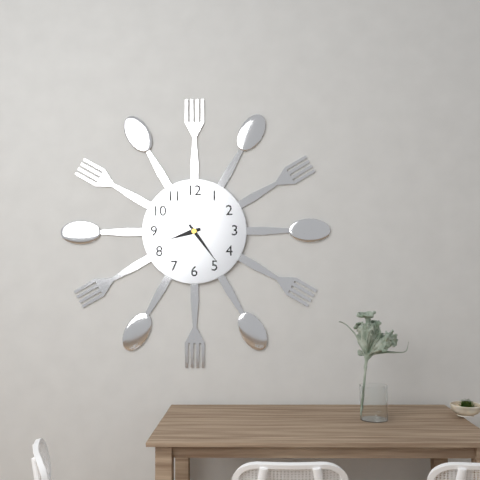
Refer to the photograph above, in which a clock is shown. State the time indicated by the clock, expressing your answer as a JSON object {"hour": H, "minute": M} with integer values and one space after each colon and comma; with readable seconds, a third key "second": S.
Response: {"hour": 8, "minute": 24}
